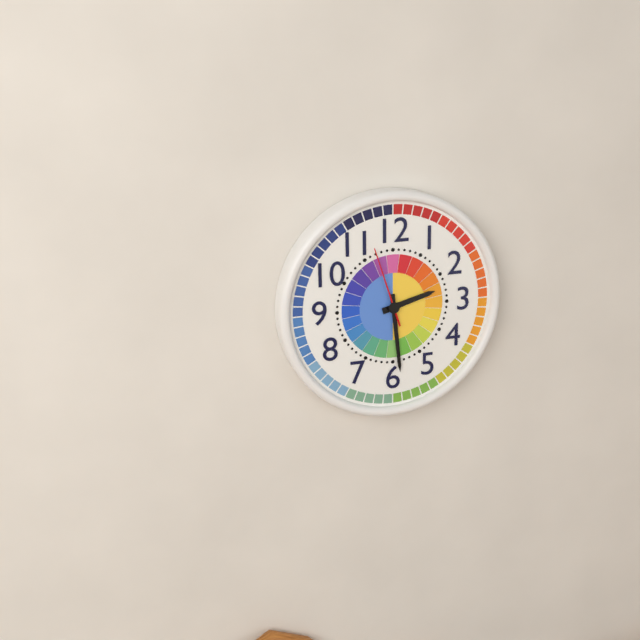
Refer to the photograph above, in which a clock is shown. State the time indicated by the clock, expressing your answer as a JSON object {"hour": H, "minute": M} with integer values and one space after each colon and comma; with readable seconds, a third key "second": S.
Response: {"hour": 2, "minute": 29, "second": 57}
